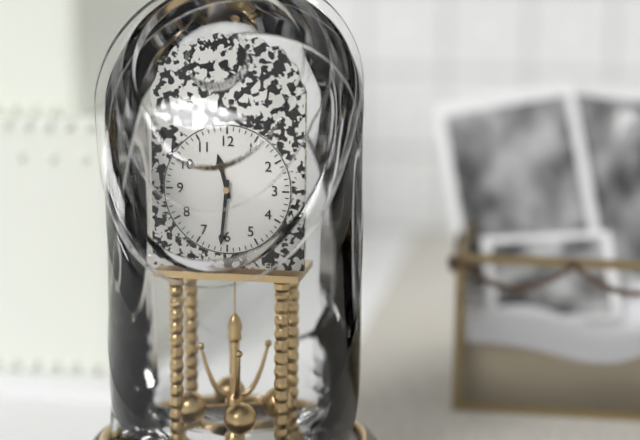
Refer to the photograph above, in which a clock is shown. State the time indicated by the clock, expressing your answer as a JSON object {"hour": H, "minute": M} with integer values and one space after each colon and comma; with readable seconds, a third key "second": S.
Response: {"hour": 11, "minute": 31}
